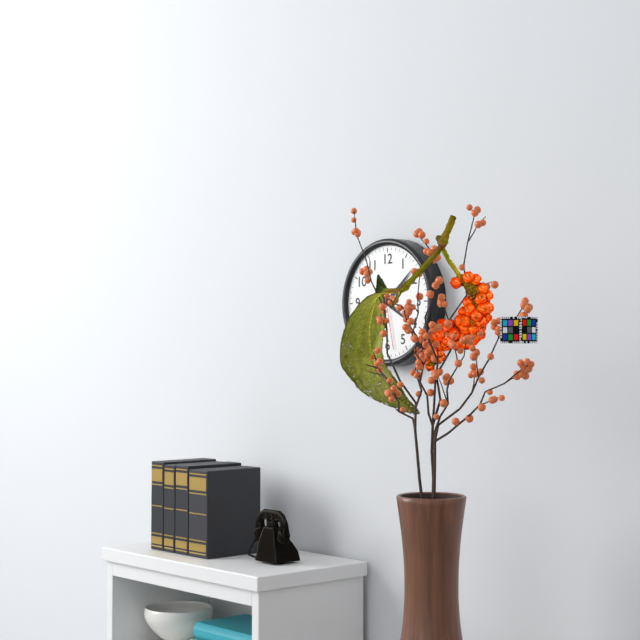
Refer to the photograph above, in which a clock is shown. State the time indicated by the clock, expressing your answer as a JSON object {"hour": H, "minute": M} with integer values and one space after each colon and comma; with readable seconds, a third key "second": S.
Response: {"hour": 4, "minute": 8, "second": 28}
